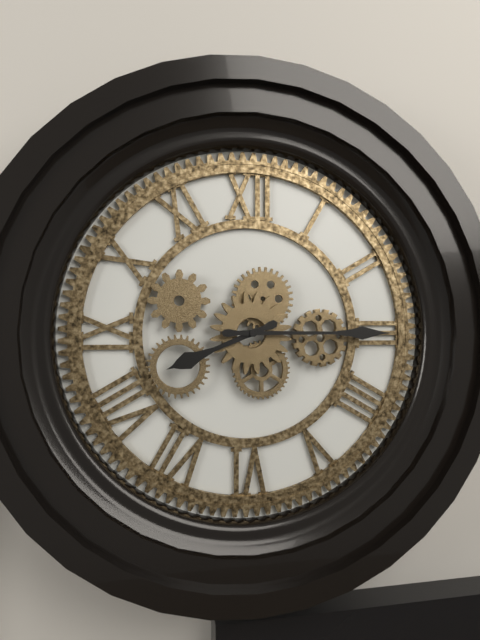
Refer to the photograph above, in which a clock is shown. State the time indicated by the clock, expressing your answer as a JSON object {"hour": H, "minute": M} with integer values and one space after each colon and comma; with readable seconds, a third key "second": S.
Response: {"hour": 8, "minute": 15}
